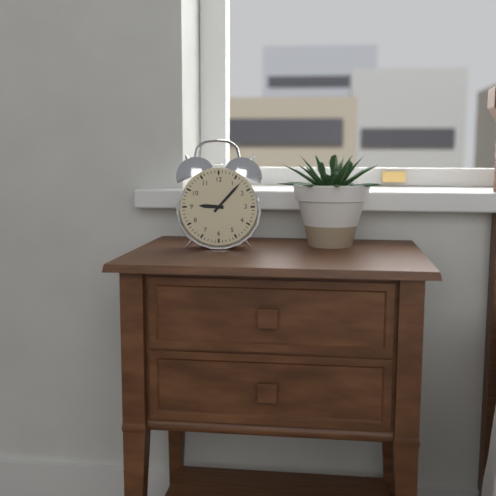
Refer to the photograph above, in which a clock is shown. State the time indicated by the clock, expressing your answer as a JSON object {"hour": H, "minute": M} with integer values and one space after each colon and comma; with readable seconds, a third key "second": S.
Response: {"hour": 9, "minute": 7}
